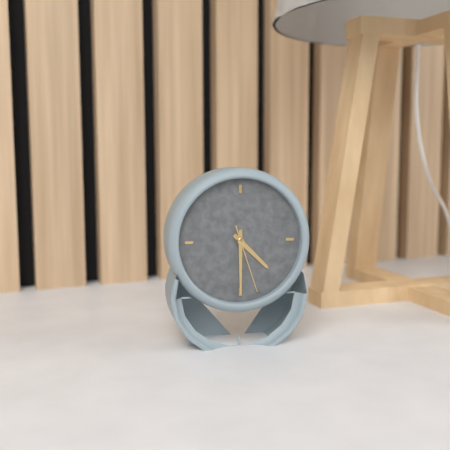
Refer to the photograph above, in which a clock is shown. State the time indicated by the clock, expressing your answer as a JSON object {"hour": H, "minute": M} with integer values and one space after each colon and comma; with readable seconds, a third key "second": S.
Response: {"hour": 4, "minute": 30, "second": 27}
